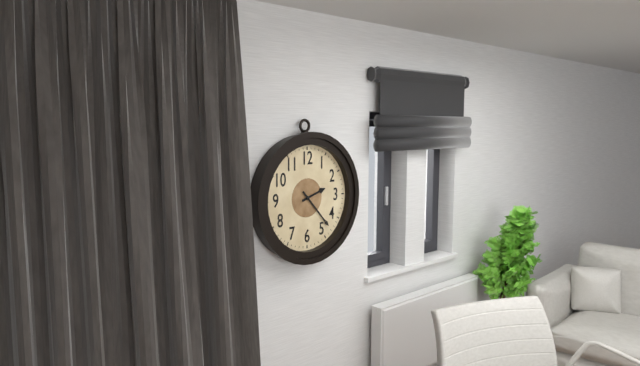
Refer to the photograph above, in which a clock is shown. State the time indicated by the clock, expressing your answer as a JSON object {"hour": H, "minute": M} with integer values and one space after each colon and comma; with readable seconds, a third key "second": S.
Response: {"hour": 2, "minute": 23}
